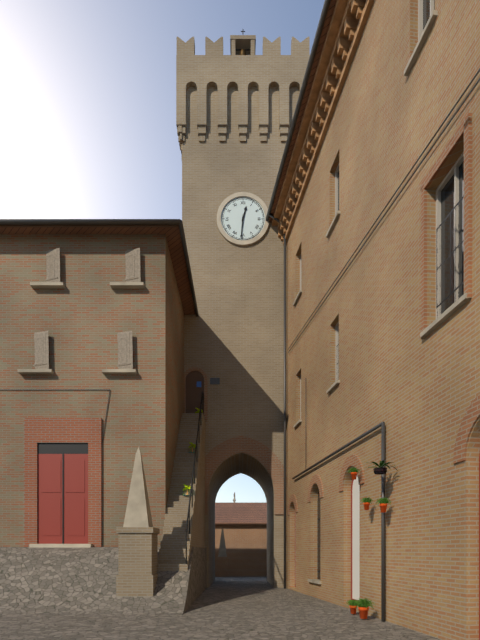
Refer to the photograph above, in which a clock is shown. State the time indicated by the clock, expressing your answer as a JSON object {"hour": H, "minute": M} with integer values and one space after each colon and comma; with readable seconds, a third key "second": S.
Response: {"hour": 12, "minute": 31}
